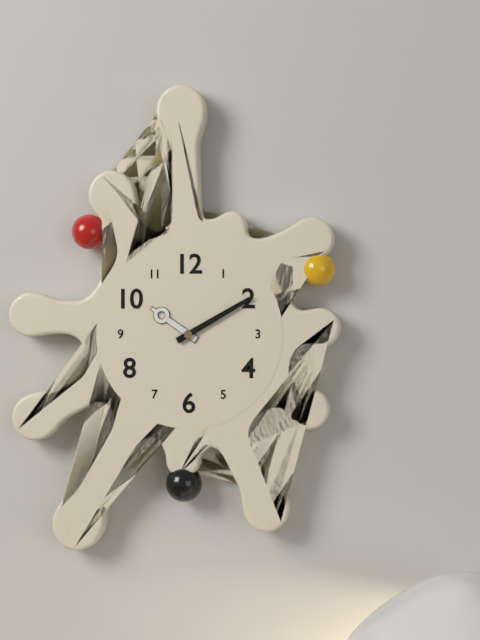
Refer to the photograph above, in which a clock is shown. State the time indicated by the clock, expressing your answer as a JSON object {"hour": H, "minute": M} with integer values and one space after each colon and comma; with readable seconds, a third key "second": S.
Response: {"hour": 10, "minute": 10}
